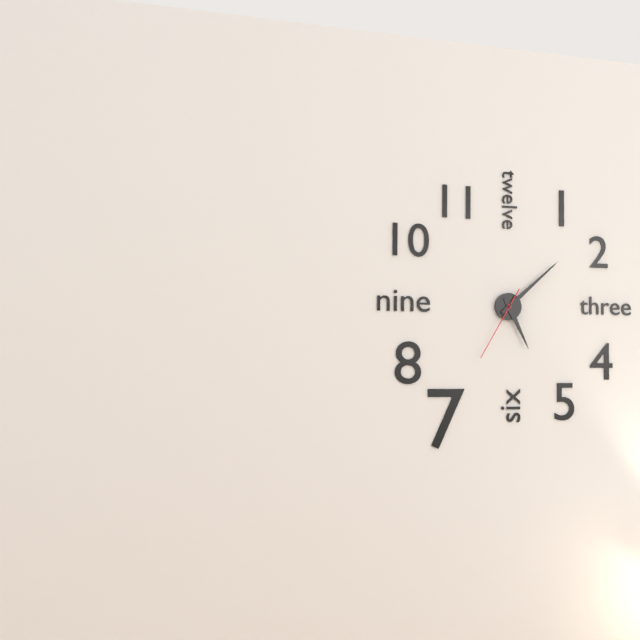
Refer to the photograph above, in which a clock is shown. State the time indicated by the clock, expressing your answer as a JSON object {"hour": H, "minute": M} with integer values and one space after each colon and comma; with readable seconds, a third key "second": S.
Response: {"hour": 5, "minute": 8, "second": 35}
